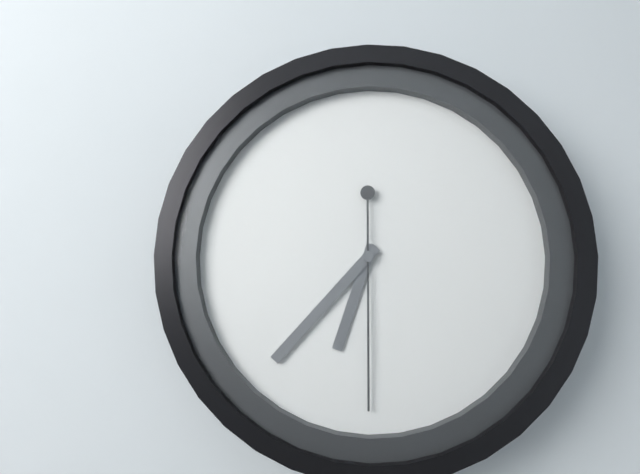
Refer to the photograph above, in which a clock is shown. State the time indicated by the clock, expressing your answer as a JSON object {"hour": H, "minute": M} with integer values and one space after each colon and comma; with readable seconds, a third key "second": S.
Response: {"hour": 6, "minute": 37, "second": 30}
